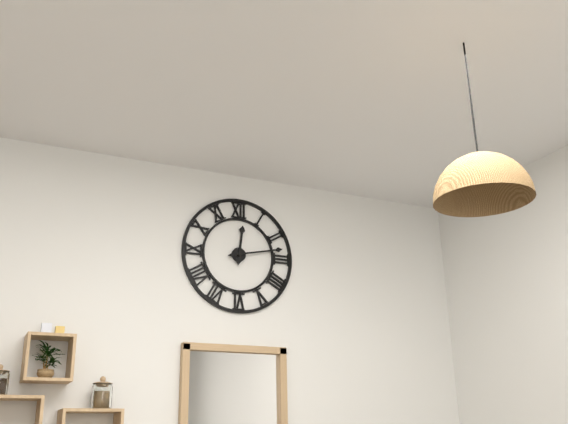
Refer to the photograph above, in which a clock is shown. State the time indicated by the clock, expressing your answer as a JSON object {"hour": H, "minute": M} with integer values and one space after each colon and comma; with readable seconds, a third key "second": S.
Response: {"hour": 12, "minute": 13}
